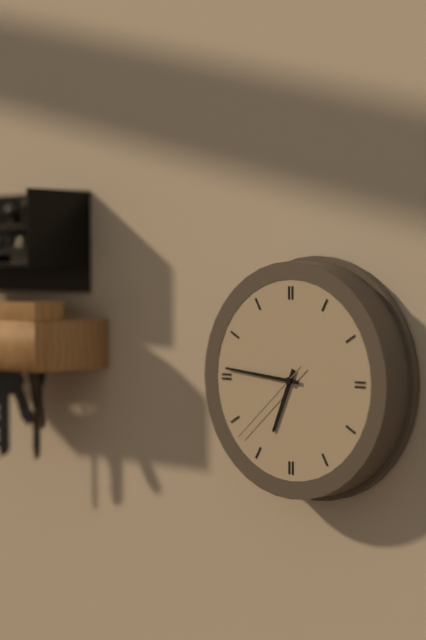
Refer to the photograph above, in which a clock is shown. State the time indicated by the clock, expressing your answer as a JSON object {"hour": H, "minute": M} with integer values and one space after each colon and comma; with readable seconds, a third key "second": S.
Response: {"hour": 6, "minute": 46, "second": 38}
